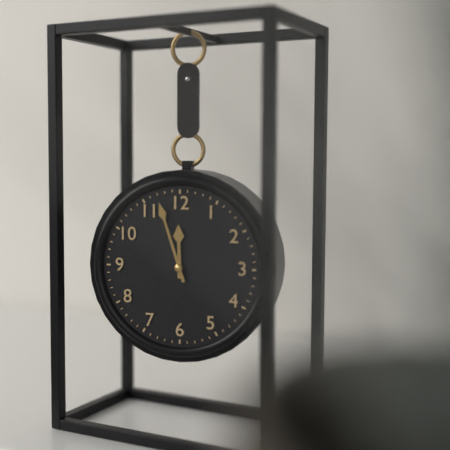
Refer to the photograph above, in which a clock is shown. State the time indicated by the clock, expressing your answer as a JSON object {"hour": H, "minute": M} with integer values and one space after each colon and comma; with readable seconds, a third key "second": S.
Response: {"hour": 11, "minute": 57}
